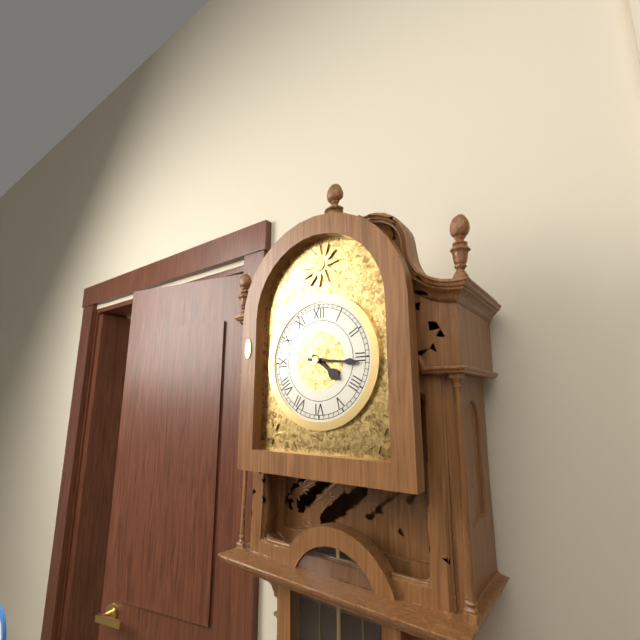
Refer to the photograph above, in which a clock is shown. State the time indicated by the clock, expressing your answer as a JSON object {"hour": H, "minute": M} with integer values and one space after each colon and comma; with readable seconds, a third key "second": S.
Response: {"hour": 4, "minute": 16}
